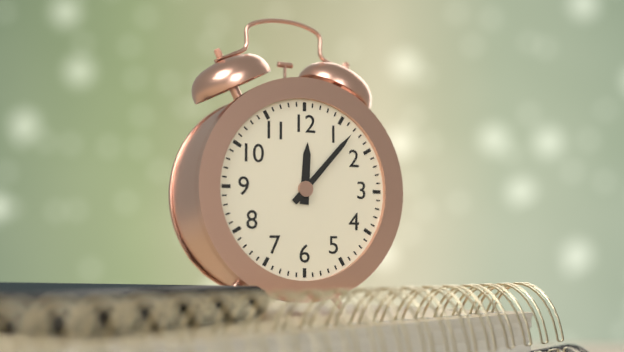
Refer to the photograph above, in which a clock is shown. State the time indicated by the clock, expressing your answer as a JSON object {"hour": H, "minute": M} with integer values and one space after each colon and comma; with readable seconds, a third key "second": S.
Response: {"hour": 12, "minute": 7}
